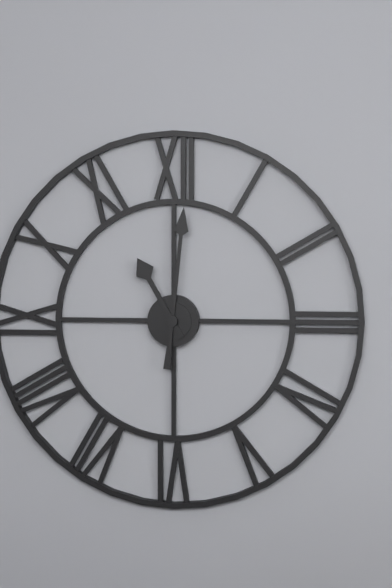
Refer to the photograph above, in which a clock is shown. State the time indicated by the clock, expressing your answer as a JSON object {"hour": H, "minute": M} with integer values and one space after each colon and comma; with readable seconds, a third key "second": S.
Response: {"hour": 11, "minute": 1}
